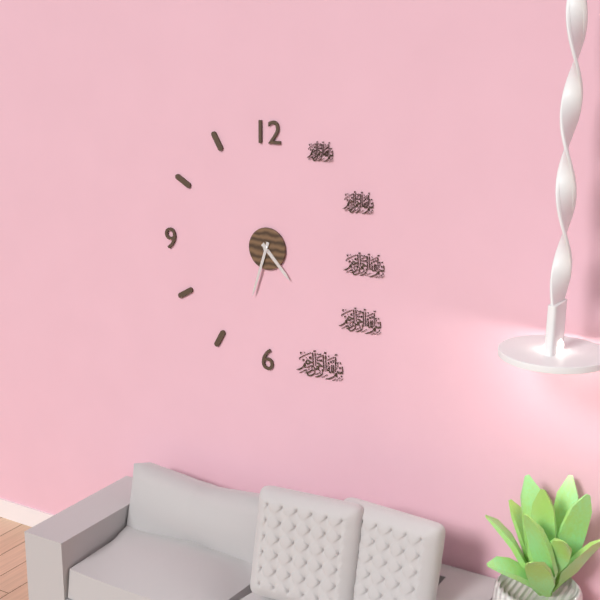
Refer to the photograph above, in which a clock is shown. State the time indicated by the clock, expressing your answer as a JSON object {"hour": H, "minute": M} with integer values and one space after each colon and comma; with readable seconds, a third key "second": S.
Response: {"hour": 4, "minute": 33}
